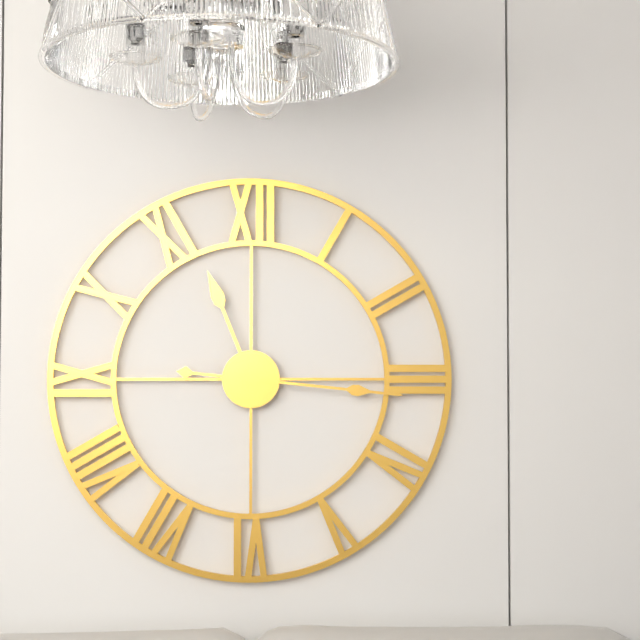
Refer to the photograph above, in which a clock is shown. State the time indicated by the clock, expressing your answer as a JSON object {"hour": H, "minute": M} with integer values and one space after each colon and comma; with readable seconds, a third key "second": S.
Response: {"hour": 11, "minute": 16}
